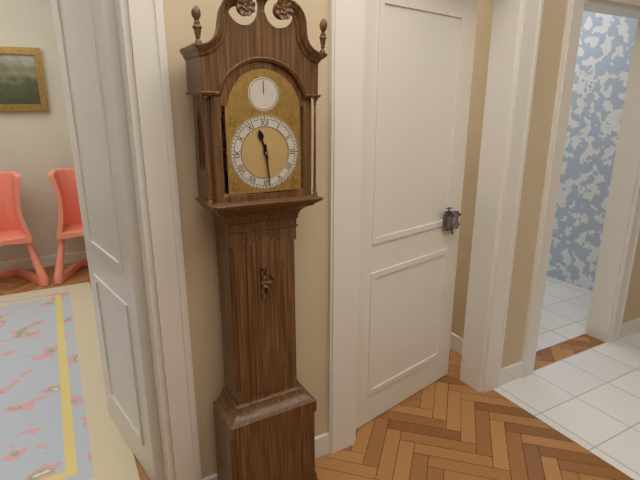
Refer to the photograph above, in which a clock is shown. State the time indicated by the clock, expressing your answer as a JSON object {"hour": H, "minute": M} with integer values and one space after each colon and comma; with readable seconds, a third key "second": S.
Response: {"hour": 11, "minute": 29}
